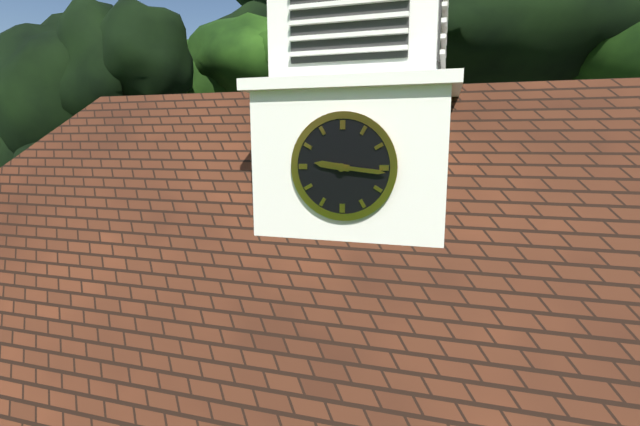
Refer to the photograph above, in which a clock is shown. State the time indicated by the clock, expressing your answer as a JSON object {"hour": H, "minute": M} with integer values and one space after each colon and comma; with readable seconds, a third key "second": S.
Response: {"hour": 9, "minute": 16}
